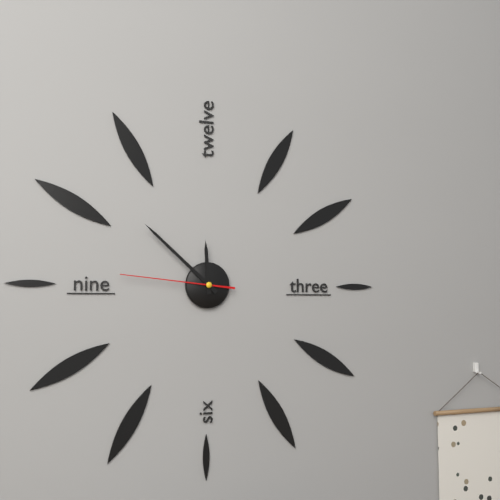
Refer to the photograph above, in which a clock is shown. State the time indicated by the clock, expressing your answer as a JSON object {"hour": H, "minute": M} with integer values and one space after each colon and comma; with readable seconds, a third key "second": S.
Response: {"hour": 11, "minute": 52, "second": 46}
